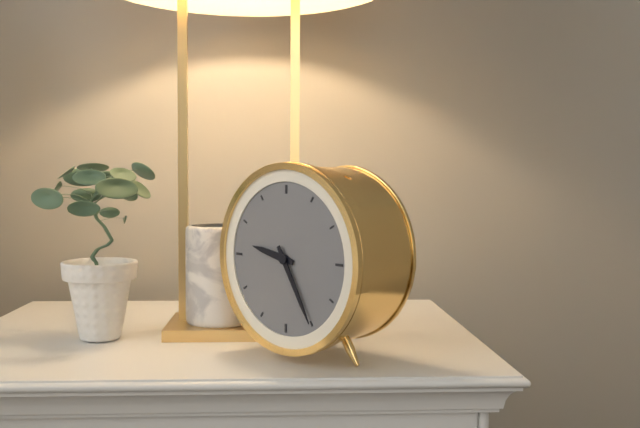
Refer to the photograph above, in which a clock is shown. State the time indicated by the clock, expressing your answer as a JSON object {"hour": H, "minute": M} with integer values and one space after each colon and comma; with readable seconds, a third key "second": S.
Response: {"hour": 9, "minute": 25}
